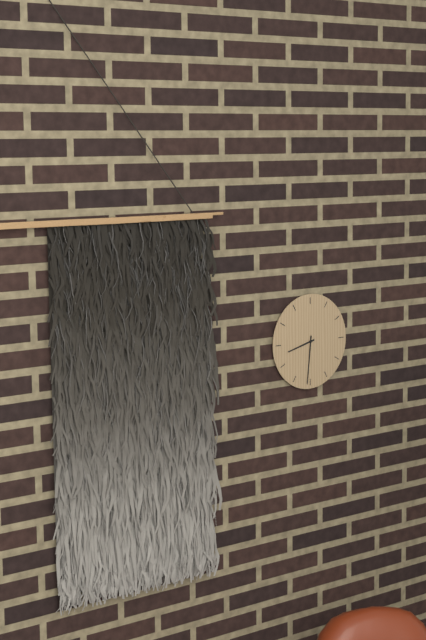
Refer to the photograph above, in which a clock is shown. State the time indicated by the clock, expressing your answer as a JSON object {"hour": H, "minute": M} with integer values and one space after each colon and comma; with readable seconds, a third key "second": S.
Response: {"hour": 8, "minute": 31}
